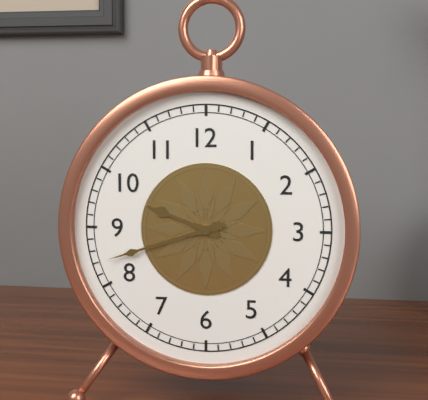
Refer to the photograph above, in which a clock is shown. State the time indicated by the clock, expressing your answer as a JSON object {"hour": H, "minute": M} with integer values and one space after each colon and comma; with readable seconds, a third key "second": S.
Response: {"hour": 9, "minute": 42}
